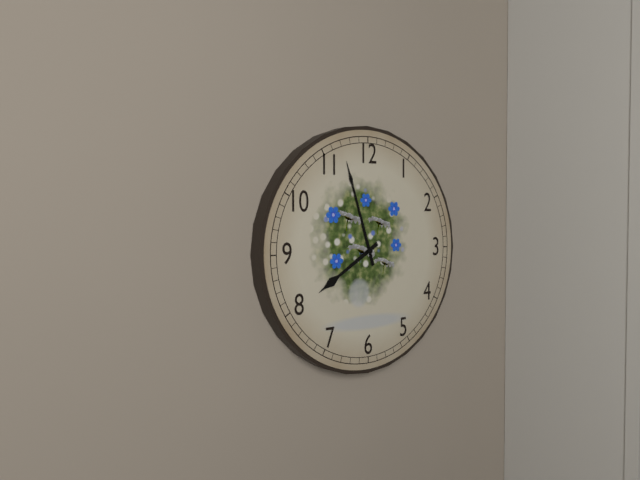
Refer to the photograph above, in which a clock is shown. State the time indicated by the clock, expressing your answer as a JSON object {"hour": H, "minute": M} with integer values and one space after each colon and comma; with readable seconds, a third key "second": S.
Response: {"hour": 7, "minute": 57}
